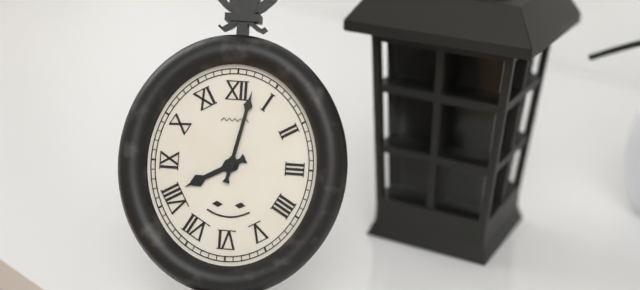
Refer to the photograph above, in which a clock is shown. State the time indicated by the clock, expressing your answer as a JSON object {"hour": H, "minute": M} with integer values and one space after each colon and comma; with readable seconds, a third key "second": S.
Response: {"hour": 8, "minute": 2}
